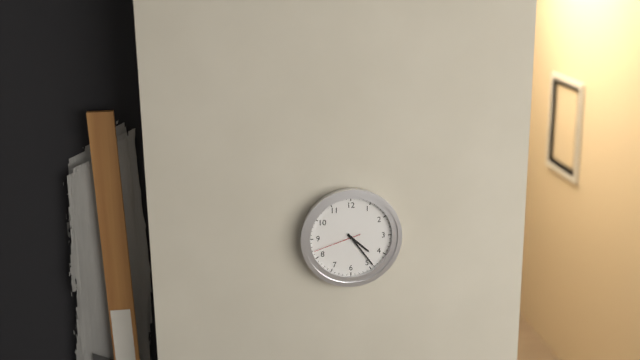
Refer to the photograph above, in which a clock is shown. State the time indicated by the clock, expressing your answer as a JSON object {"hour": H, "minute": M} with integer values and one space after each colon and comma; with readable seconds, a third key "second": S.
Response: {"hour": 4, "minute": 24}
